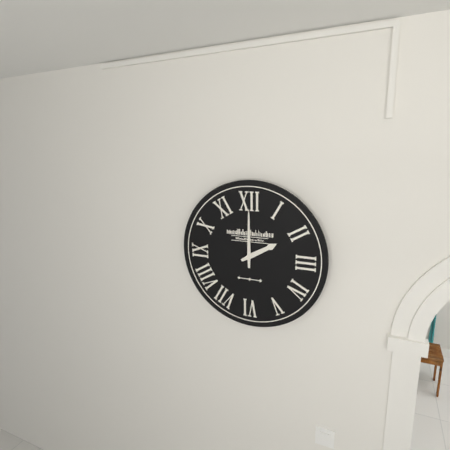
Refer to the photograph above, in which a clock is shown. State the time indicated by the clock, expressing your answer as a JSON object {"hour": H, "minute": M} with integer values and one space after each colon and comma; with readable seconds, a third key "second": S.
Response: {"hour": 2, "minute": 0}
